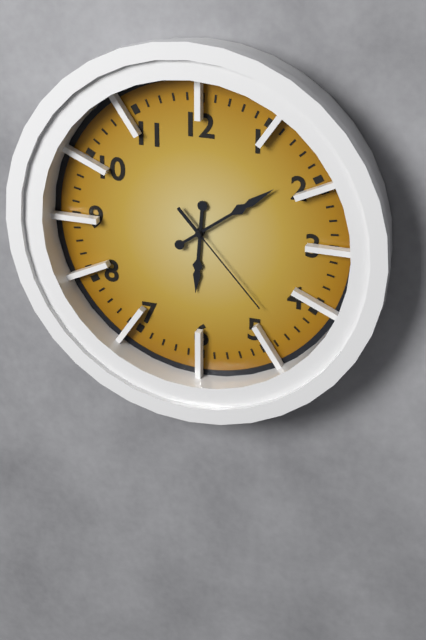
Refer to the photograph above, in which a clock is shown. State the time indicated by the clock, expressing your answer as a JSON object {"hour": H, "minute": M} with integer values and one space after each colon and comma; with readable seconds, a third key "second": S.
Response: {"hour": 6, "minute": 9, "second": 23}
